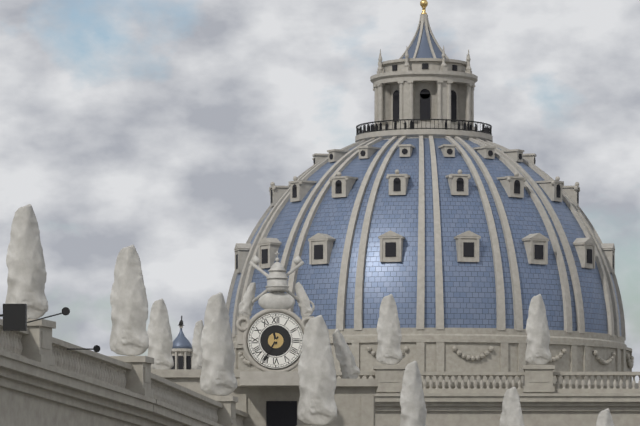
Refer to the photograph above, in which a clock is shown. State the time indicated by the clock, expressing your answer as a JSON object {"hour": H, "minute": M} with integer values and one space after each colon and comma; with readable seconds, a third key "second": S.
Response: {"hour": 11, "minute": 35}
